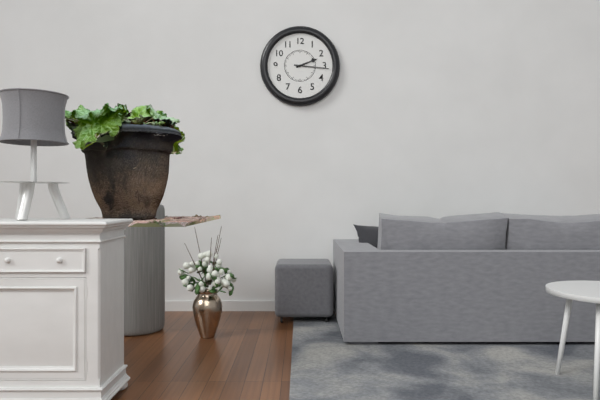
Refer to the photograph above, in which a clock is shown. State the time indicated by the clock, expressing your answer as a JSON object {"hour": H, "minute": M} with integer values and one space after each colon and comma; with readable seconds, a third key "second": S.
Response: {"hour": 2, "minute": 16}
